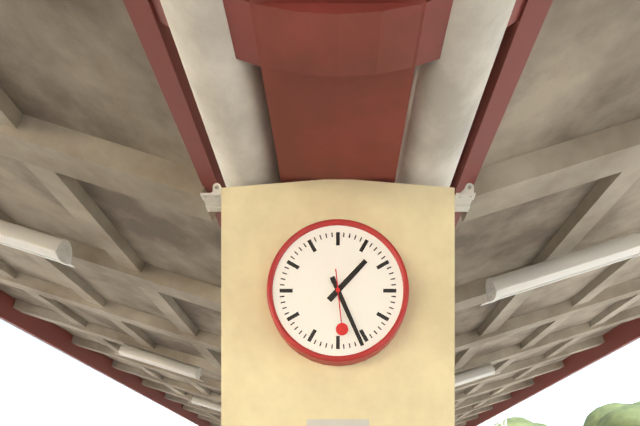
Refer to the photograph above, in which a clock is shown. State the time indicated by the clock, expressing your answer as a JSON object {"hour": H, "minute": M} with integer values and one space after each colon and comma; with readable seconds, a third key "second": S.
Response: {"hour": 1, "minute": 26, "second": 29}
